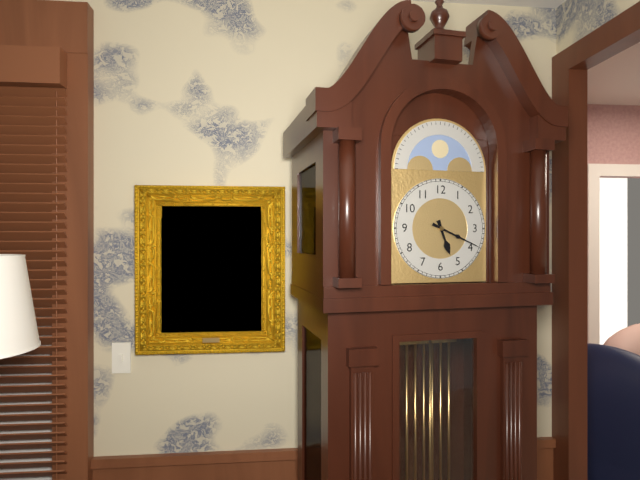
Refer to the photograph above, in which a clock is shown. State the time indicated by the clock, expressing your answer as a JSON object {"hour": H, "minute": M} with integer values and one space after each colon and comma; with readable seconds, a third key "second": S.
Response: {"hour": 5, "minute": 19}
